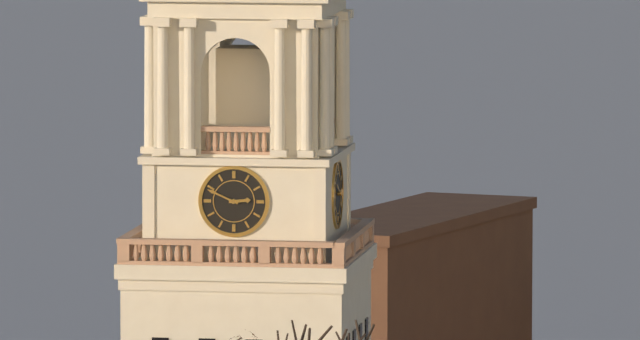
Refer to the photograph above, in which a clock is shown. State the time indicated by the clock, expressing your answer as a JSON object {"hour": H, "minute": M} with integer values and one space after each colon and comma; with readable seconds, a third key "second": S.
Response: {"hour": 2, "minute": 49}
